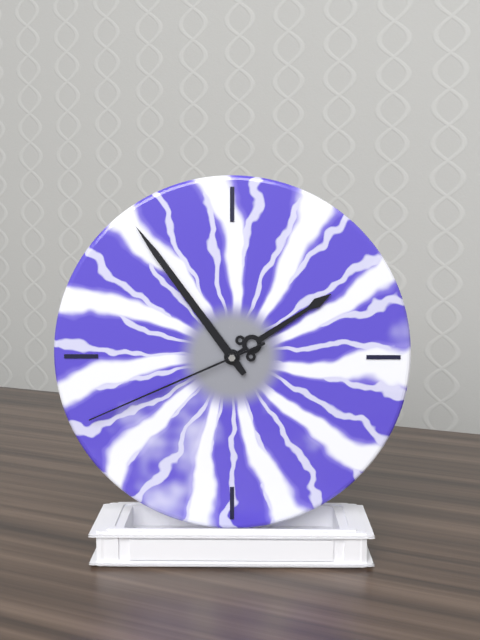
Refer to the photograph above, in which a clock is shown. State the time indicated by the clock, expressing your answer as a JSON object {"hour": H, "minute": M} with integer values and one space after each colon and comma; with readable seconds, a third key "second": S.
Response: {"hour": 1, "minute": 54, "second": 41}
